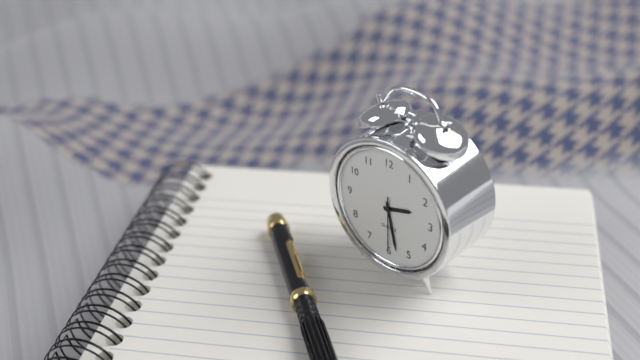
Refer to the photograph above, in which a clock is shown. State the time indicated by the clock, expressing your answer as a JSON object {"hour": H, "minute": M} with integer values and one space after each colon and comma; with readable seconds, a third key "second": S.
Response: {"hour": 2, "minute": 28, "second": 30}
